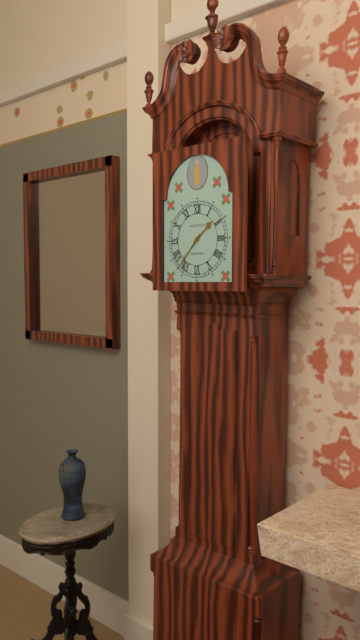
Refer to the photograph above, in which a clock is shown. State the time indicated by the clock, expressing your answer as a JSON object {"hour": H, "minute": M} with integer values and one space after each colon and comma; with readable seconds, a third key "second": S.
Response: {"hour": 1, "minute": 37}
